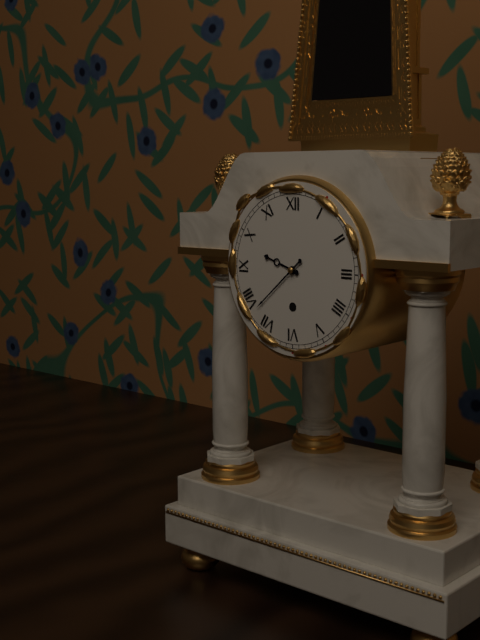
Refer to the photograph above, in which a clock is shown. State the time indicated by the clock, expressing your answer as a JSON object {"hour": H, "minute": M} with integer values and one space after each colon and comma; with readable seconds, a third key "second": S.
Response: {"hour": 9, "minute": 38}
